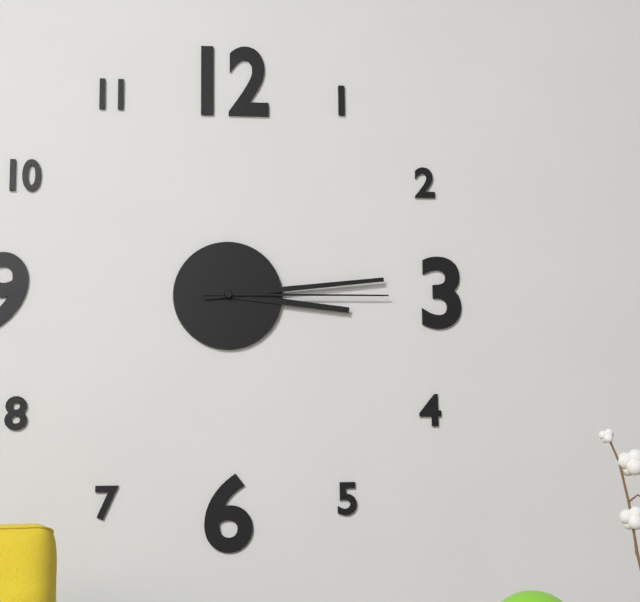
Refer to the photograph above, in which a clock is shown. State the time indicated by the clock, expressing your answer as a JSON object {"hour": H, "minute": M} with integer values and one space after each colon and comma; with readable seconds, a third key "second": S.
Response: {"hour": 3, "minute": 14, "second": 15}
